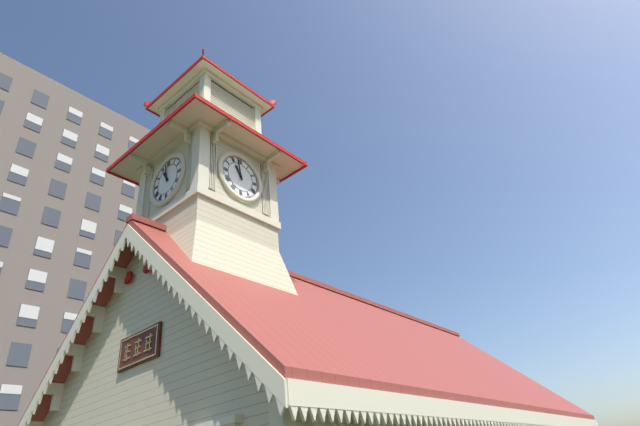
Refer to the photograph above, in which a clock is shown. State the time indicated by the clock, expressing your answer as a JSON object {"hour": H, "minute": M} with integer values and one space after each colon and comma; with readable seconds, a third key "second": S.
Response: {"hour": 10, "minute": 58}
